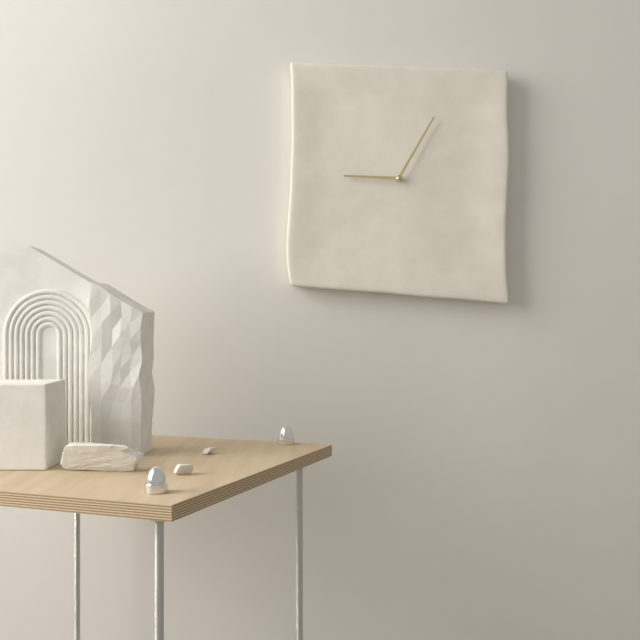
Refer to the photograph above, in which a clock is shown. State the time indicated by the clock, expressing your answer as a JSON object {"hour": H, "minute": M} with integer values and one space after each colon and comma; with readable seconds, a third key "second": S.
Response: {"hour": 9, "minute": 5}
